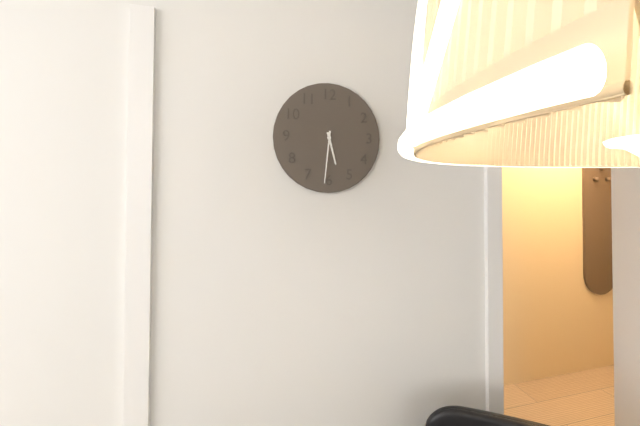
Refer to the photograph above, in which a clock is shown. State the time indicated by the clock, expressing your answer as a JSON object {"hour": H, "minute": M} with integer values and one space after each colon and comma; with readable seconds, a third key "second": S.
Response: {"hour": 5, "minute": 31}
